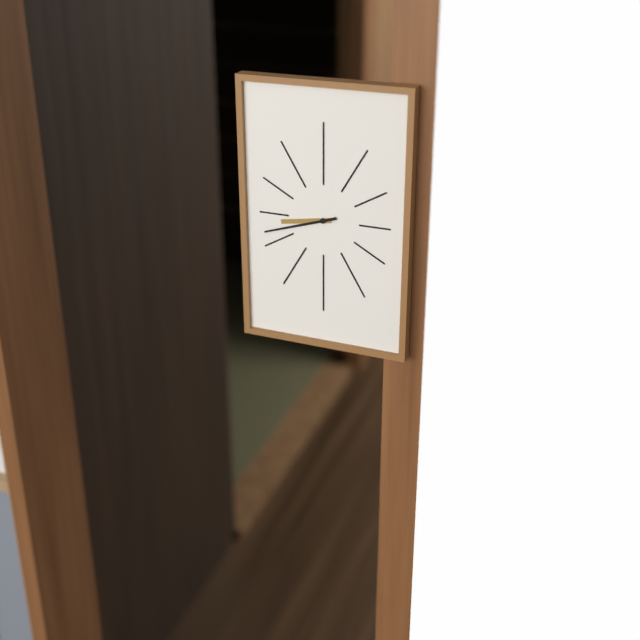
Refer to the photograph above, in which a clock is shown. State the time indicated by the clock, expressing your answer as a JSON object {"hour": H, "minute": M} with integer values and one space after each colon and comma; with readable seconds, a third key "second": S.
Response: {"hour": 8, "minute": 42}
